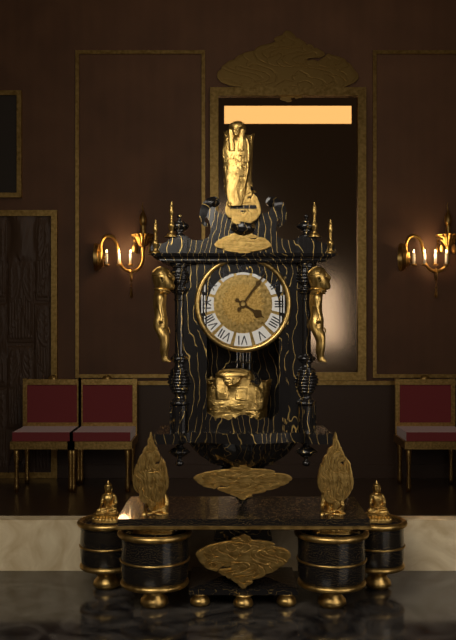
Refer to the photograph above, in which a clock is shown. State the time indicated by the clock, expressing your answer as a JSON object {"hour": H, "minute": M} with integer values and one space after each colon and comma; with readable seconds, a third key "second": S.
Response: {"hour": 4, "minute": 6}
